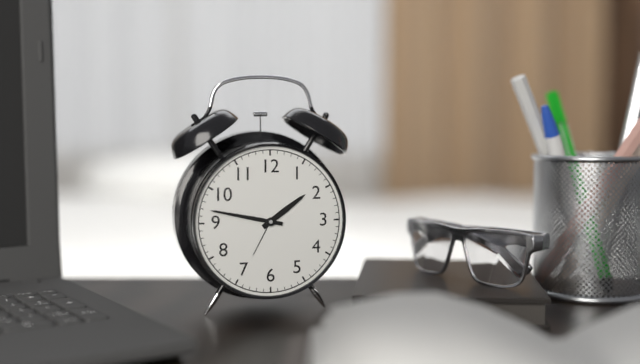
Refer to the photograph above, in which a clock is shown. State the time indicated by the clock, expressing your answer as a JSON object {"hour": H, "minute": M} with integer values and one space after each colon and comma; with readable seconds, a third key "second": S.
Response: {"hour": 1, "minute": 47}
